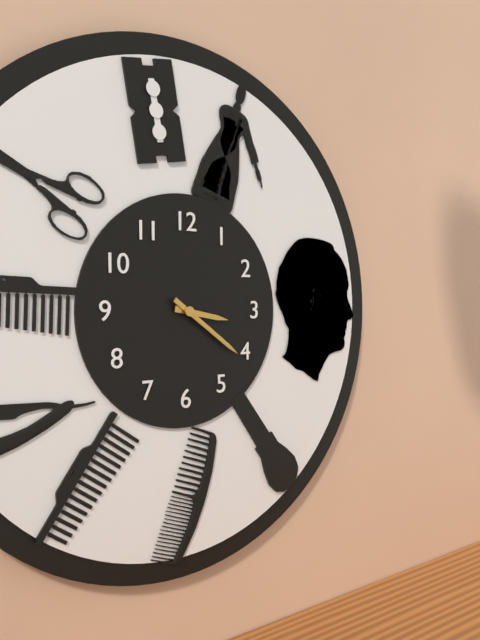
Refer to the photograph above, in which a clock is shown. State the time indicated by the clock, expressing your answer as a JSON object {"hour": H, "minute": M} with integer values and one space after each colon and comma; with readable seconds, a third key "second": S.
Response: {"hour": 3, "minute": 21}
